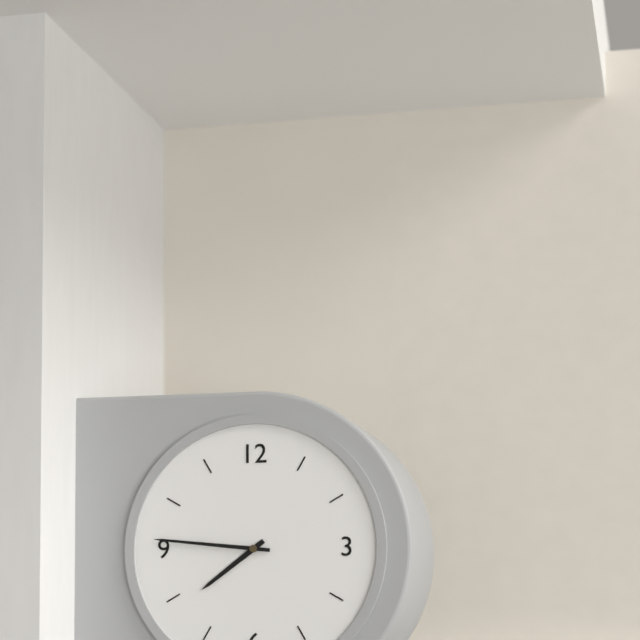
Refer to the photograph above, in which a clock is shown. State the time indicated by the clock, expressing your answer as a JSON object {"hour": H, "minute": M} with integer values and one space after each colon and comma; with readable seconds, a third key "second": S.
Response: {"hour": 7, "minute": 46}
